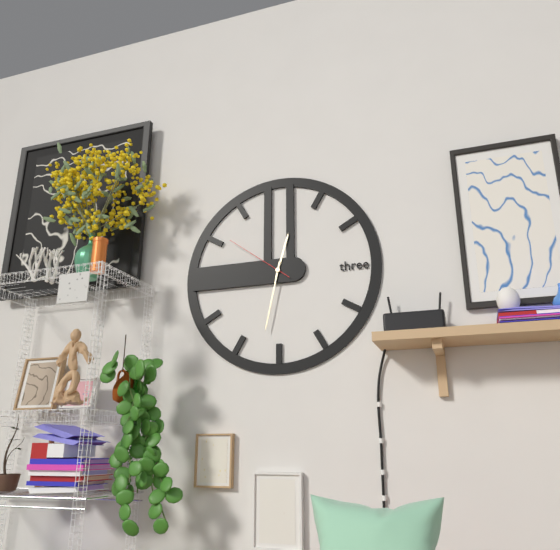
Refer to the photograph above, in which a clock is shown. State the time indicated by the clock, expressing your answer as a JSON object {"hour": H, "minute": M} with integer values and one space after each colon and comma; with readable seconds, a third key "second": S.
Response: {"hour": 12, "minute": 32, "second": 51}
